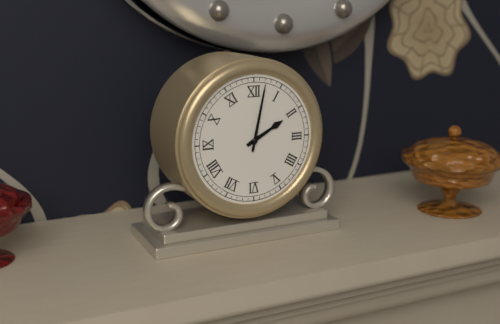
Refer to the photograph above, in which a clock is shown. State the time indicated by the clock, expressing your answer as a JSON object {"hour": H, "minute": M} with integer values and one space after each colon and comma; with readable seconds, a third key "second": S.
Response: {"hour": 2, "minute": 2}
